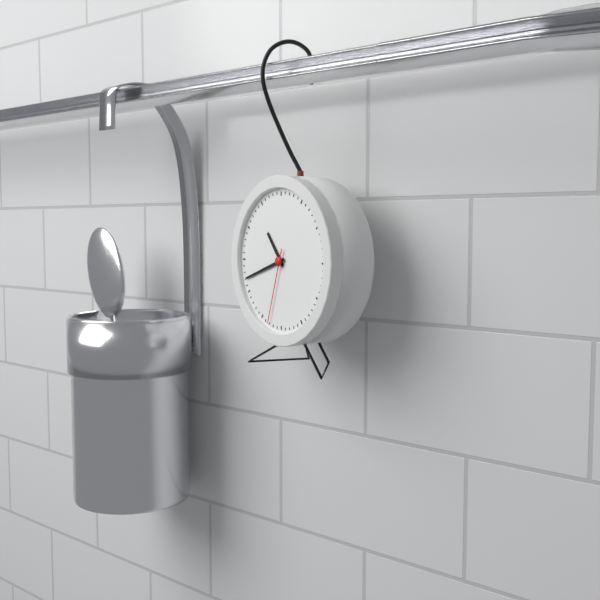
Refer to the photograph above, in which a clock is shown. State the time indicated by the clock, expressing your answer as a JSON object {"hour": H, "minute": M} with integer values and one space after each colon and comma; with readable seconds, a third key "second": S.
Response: {"hour": 10, "minute": 42, "second": 33}
